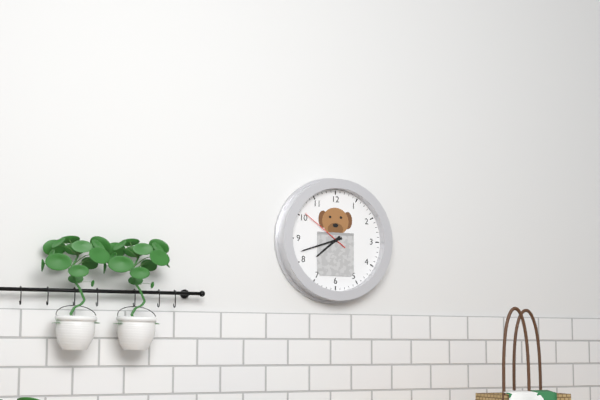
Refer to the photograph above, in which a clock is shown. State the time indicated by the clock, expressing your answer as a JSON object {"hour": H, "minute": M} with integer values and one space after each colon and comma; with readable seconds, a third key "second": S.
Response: {"hour": 7, "minute": 42, "second": 51}
